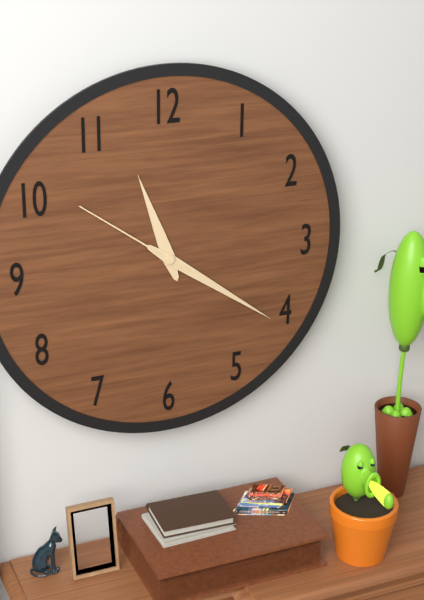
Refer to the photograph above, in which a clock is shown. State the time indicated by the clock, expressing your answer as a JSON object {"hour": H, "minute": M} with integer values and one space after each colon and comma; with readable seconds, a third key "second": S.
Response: {"hour": 11, "minute": 21, "second": 51}
